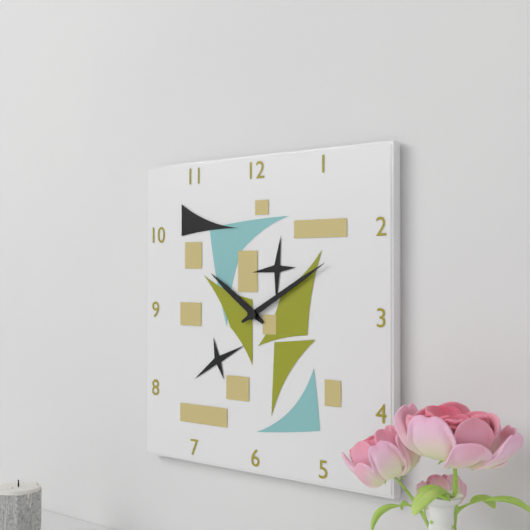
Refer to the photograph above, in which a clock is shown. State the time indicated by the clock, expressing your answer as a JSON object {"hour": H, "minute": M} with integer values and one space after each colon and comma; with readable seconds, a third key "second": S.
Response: {"hour": 10, "minute": 10}
